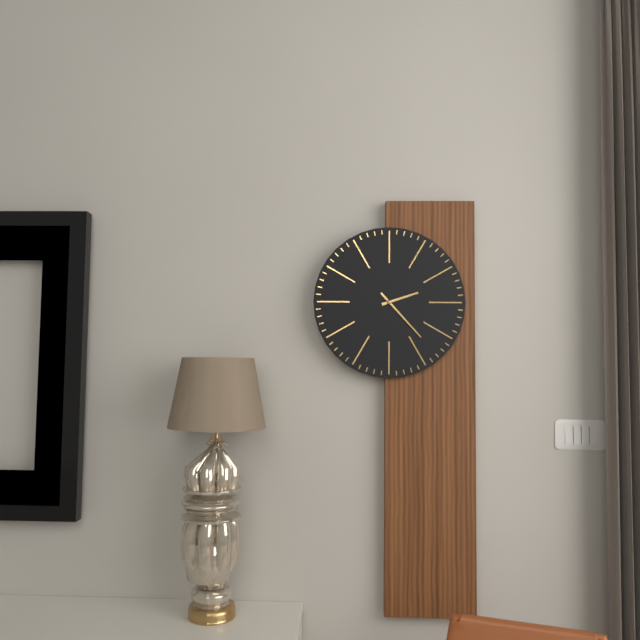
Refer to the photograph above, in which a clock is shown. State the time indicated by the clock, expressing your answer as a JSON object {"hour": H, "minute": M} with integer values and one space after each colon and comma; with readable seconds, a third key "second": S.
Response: {"hour": 2, "minute": 23}
